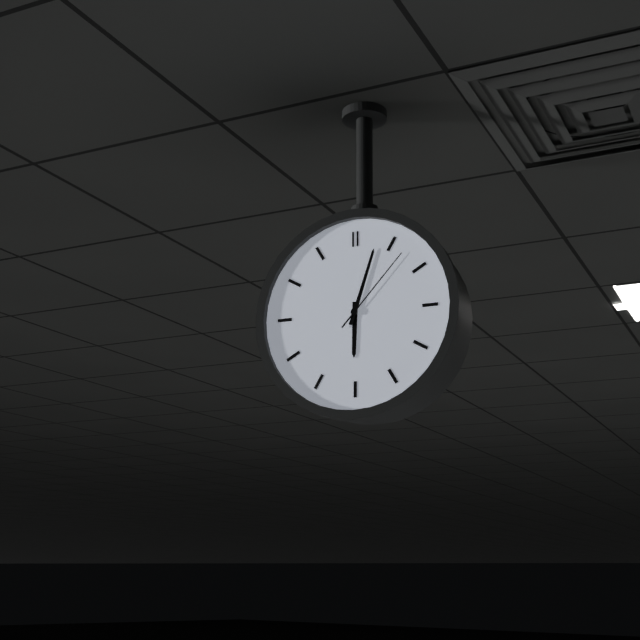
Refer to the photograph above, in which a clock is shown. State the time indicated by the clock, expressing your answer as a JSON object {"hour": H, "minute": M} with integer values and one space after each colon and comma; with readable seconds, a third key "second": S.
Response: {"hour": 6, "minute": 3, "second": 7}
